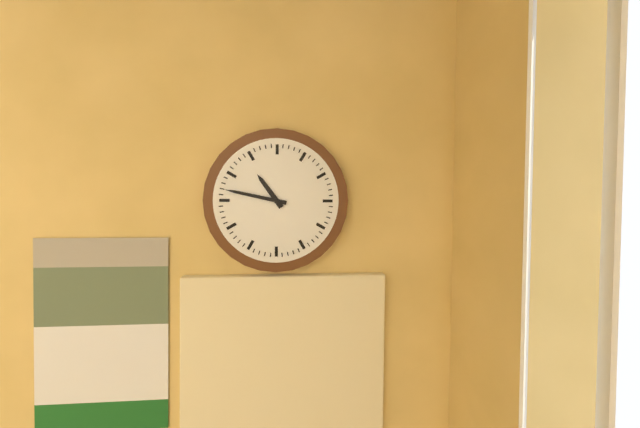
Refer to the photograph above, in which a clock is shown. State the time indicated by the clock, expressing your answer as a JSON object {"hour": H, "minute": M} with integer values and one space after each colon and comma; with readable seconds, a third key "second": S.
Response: {"hour": 10, "minute": 47}
